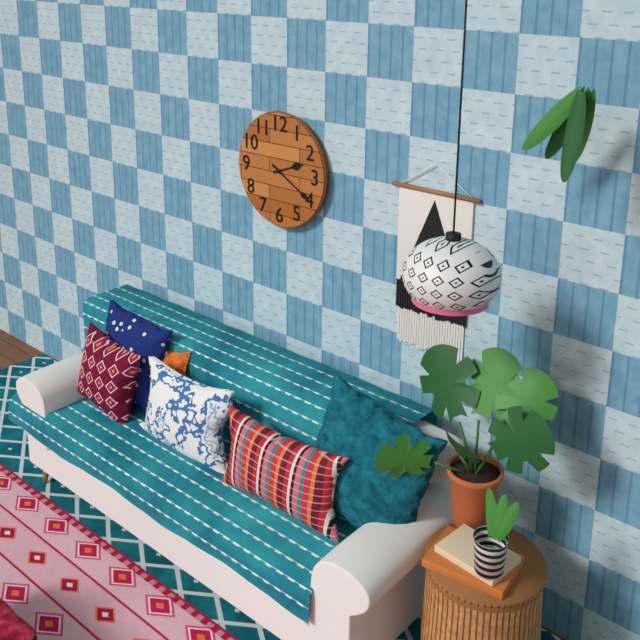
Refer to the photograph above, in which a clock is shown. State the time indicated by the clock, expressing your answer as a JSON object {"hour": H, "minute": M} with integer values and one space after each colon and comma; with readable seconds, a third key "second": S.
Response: {"hour": 2, "minute": 20}
